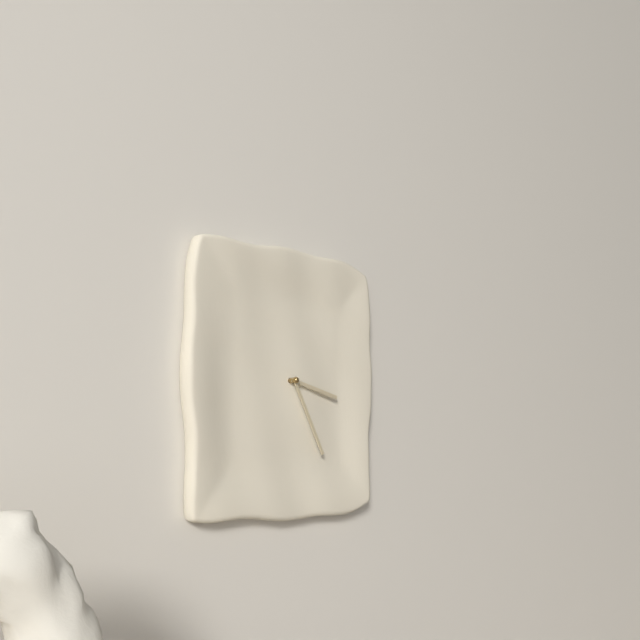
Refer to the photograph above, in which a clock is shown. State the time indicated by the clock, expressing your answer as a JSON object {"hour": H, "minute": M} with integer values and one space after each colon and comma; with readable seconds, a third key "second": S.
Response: {"hour": 3, "minute": 25}
